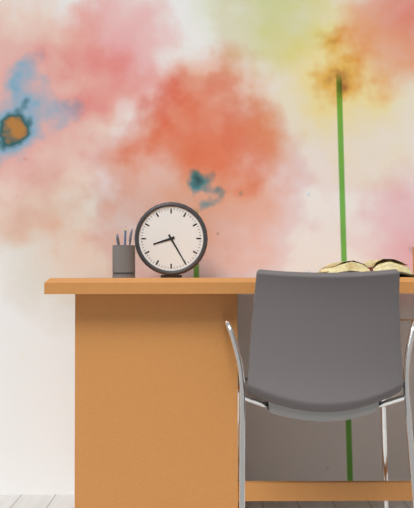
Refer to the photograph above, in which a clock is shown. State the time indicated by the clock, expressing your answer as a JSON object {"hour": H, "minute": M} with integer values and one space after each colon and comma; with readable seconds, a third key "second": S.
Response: {"hour": 8, "minute": 25}
